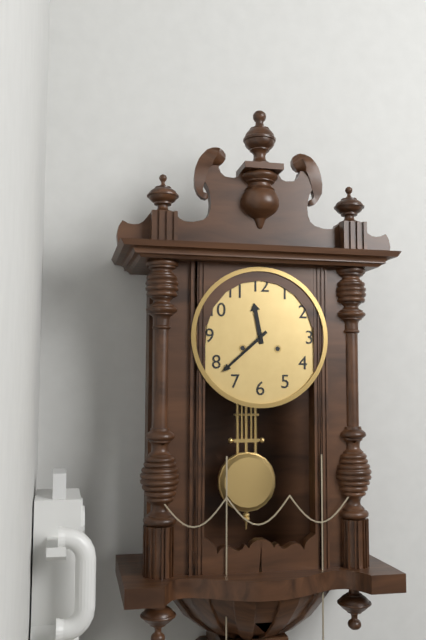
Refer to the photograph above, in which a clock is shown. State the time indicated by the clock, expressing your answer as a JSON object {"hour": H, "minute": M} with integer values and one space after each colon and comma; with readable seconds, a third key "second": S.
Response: {"hour": 11, "minute": 38}
